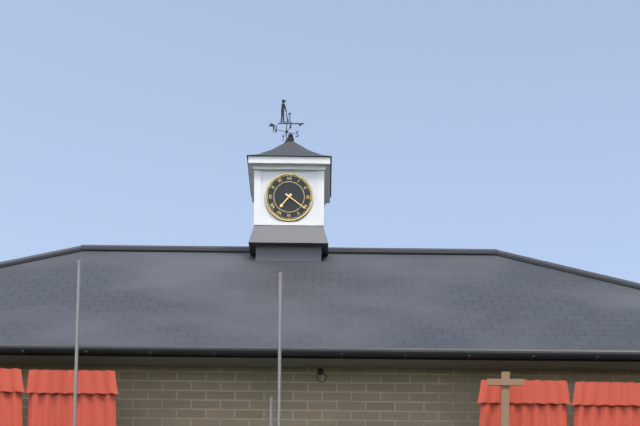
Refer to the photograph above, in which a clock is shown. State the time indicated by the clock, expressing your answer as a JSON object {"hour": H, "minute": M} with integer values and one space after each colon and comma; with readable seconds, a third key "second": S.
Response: {"hour": 7, "minute": 21}
